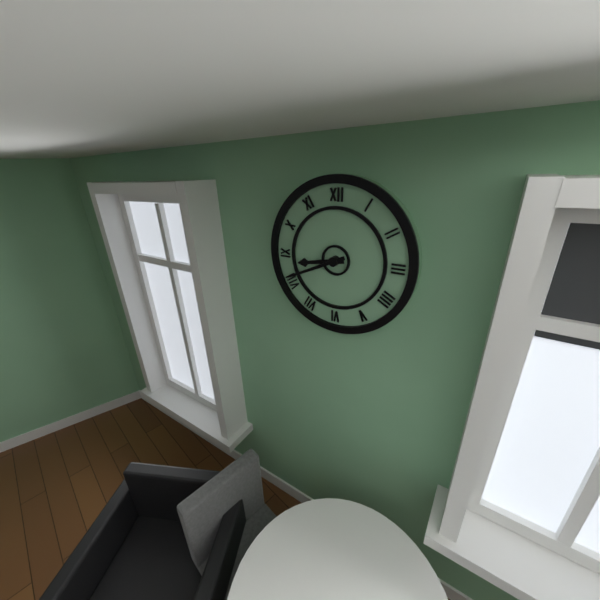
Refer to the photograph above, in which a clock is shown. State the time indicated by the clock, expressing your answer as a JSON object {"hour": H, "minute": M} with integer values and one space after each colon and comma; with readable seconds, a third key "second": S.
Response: {"hour": 8, "minute": 41}
